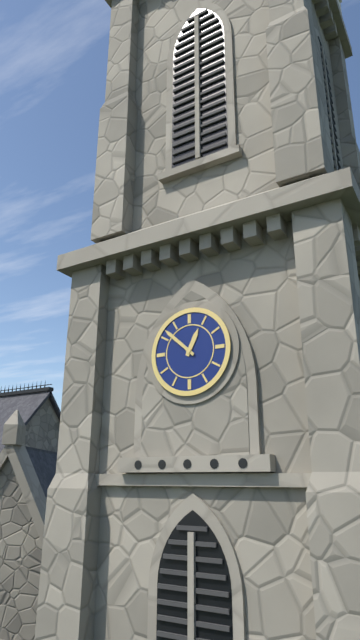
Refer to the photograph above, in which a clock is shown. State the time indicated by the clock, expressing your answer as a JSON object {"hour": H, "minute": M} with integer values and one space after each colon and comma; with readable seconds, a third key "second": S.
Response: {"hour": 12, "minute": 52}
